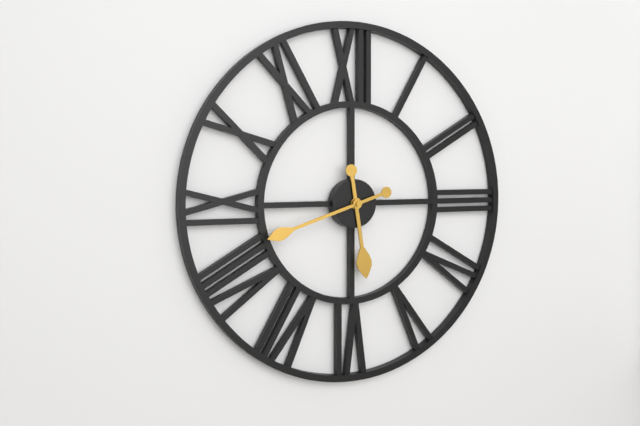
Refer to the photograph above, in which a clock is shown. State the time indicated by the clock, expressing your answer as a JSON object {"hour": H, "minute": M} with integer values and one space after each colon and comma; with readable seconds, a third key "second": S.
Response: {"hour": 5, "minute": 42}
